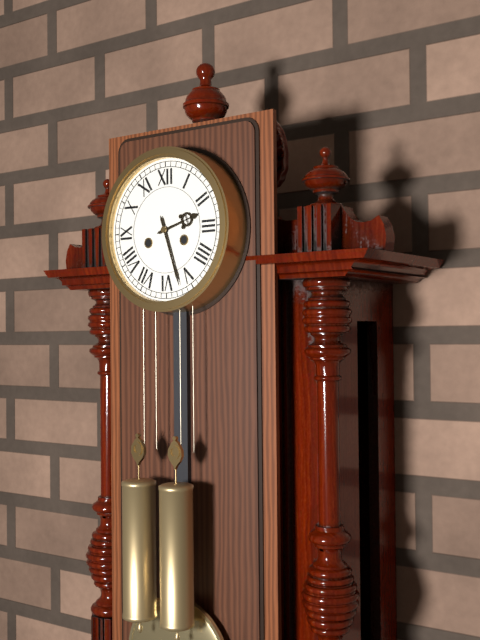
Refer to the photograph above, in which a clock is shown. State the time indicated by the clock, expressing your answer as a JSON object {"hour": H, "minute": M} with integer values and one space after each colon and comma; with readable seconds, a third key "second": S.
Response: {"hour": 2, "minute": 27}
